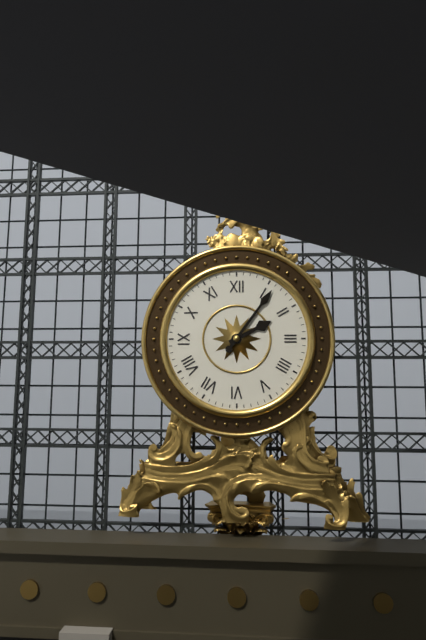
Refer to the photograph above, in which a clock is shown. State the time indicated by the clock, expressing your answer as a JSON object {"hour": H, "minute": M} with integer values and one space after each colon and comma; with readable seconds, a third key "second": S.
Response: {"hour": 2, "minute": 6}
